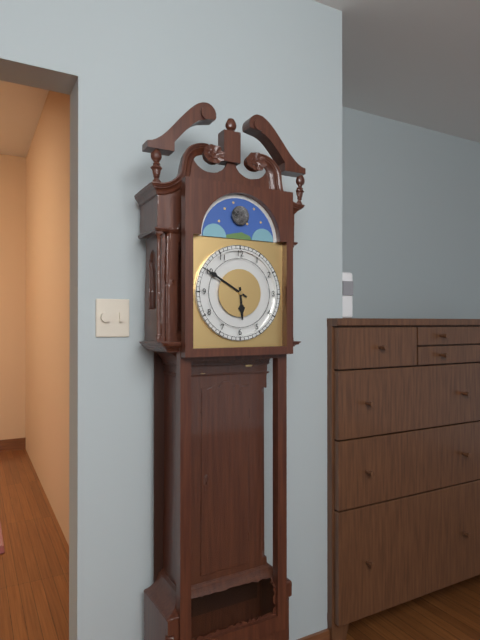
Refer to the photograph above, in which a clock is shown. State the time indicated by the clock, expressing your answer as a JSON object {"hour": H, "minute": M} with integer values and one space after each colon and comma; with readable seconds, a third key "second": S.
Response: {"hour": 5, "minute": 50}
